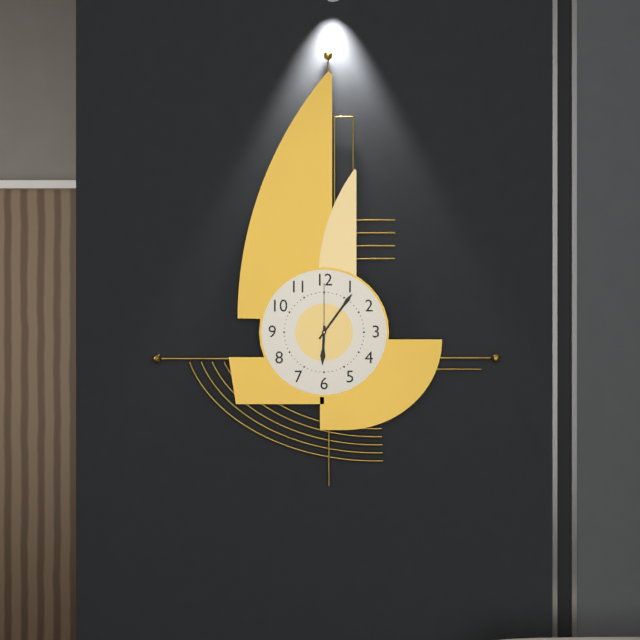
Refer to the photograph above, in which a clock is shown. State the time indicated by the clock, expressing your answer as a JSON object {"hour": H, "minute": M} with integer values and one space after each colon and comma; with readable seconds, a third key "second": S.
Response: {"hour": 6, "minute": 6, "second": 0}
